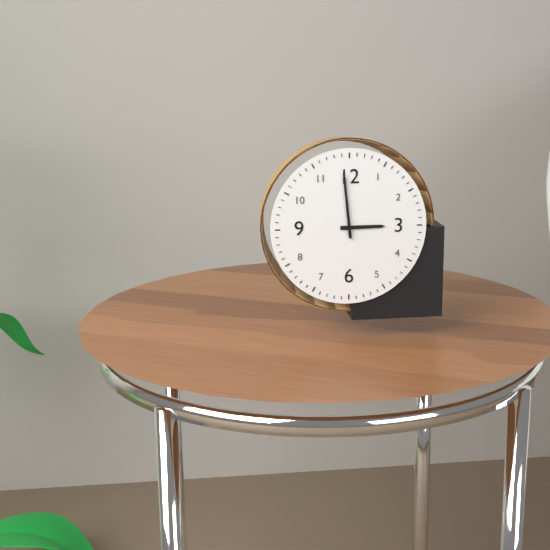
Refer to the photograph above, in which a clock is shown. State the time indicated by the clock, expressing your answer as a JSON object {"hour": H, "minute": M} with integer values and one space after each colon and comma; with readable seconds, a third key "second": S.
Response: {"hour": 2, "minute": 59}
